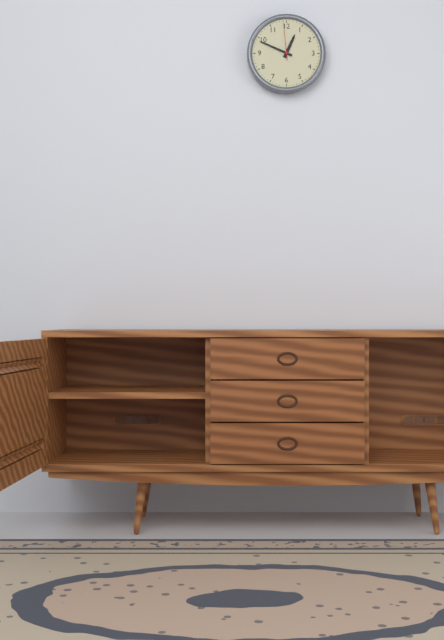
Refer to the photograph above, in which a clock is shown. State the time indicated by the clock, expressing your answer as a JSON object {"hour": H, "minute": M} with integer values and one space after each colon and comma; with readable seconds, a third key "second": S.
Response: {"hour": 12, "minute": 49}
